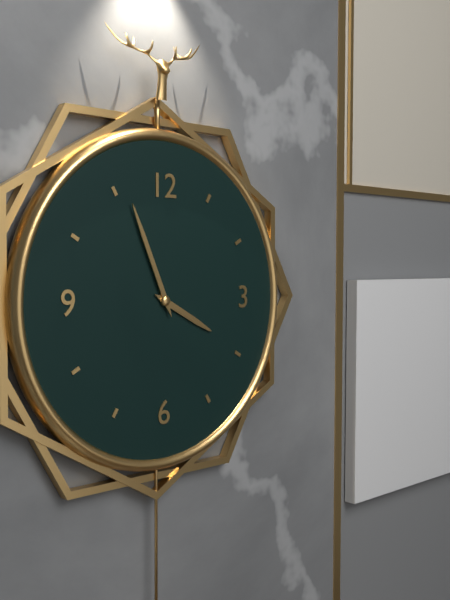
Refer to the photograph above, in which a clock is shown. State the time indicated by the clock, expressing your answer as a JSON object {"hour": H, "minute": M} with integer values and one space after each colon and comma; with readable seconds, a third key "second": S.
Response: {"hour": 3, "minute": 56}
